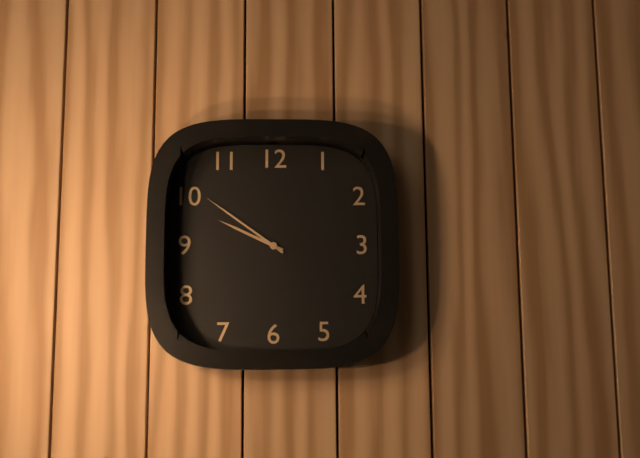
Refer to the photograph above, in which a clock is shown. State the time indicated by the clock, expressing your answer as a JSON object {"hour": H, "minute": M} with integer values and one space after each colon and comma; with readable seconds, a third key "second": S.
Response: {"hour": 9, "minute": 51}
